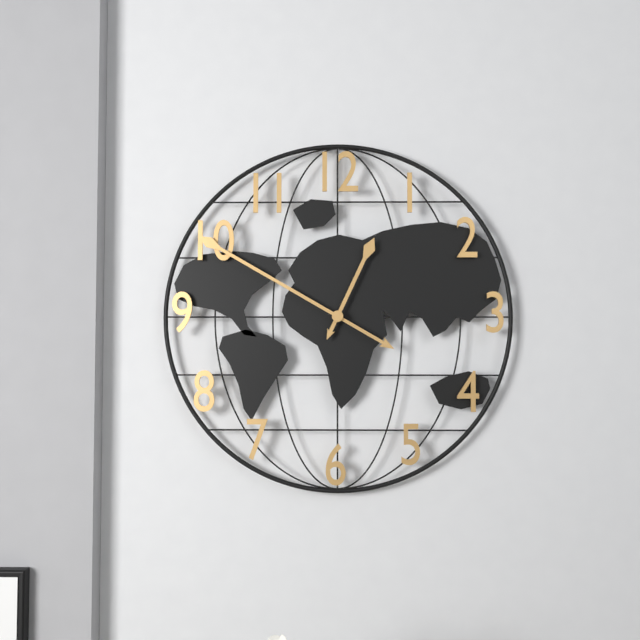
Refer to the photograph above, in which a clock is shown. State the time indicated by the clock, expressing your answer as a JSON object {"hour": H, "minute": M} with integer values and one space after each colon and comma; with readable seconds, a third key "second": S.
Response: {"hour": 12, "minute": 50}
